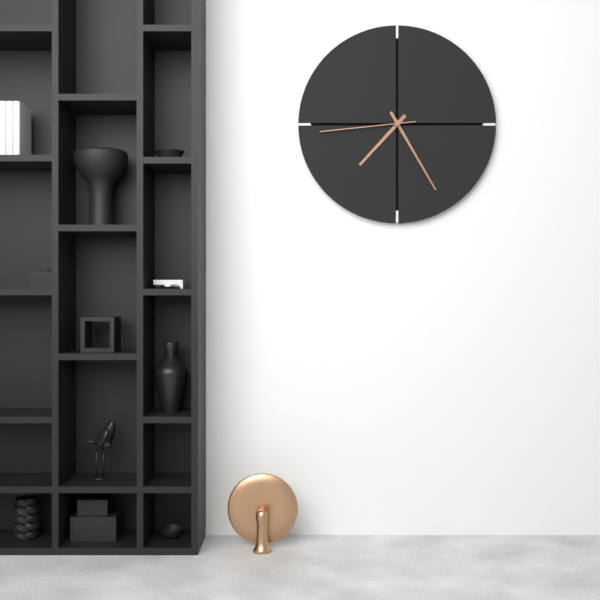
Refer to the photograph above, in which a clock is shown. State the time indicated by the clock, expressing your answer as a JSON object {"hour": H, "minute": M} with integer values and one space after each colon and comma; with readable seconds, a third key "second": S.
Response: {"hour": 7, "minute": 25, "second": 44}
